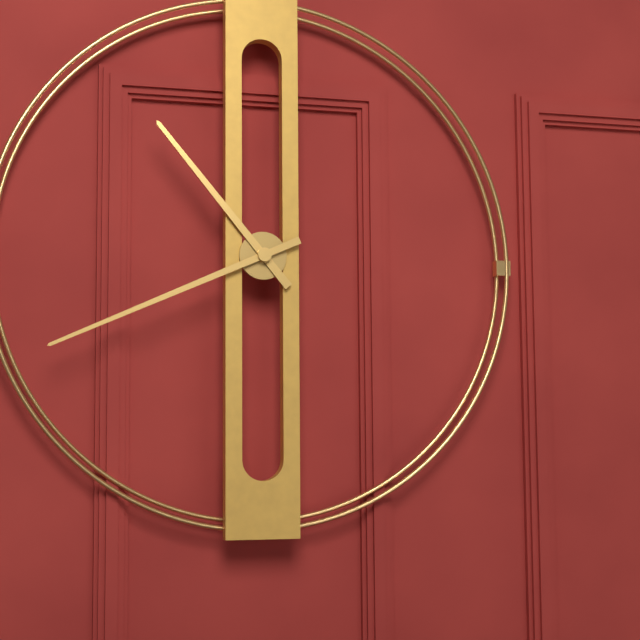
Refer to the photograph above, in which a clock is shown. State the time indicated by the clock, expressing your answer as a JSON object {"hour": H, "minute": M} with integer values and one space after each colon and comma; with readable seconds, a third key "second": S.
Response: {"hour": 10, "minute": 41}
